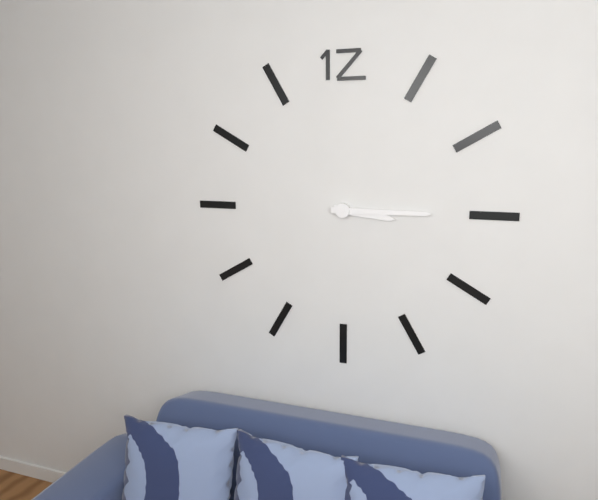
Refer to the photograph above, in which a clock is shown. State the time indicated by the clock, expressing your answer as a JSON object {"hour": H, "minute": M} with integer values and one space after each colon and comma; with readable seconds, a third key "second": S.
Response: {"hour": 3, "minute": 15}
